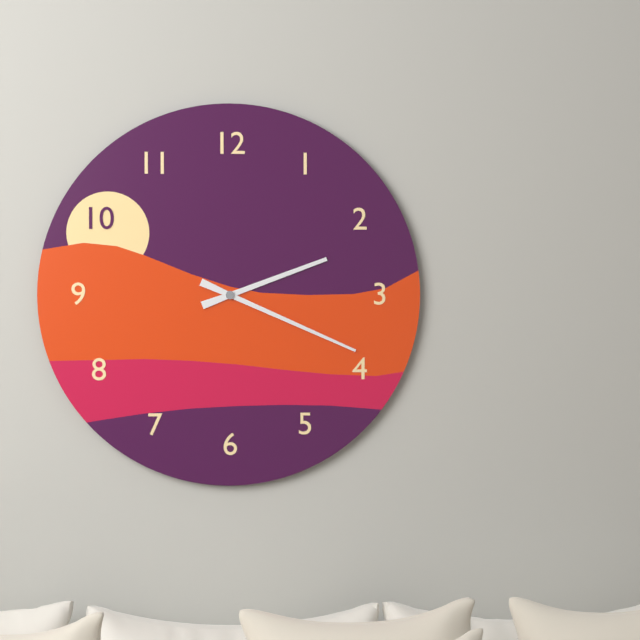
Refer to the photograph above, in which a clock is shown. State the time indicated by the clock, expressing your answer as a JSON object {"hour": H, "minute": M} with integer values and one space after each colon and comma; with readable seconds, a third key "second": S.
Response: {"hour": 2, "minute": 19}
